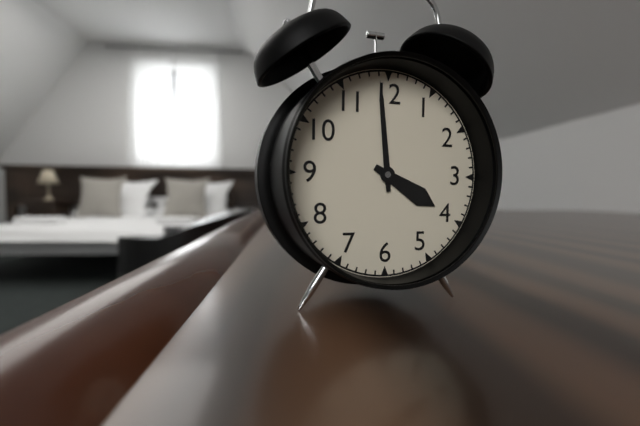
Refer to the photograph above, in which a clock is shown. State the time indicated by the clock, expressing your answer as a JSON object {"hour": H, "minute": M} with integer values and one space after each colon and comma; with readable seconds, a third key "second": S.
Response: {"hour": 3, "minute": 59}
